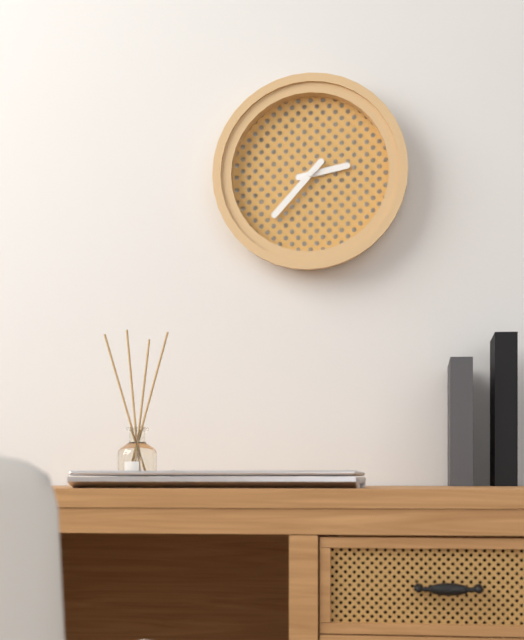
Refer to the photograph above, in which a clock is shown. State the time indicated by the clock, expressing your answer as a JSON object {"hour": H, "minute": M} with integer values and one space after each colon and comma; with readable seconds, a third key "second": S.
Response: {"hour": 2, "minute": 37}
